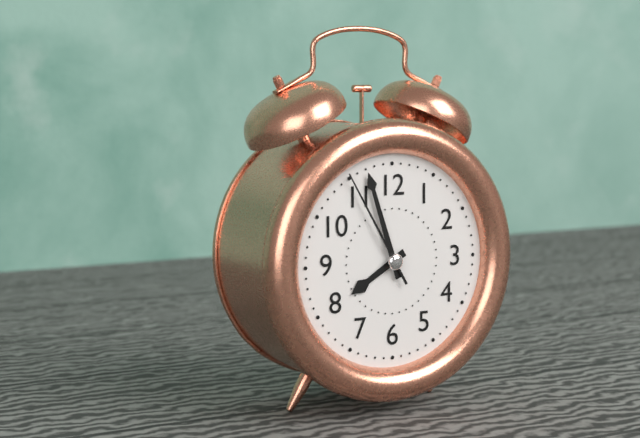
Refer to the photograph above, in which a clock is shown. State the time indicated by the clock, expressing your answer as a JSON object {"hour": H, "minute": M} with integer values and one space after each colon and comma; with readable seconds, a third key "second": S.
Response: {"hour": 7, "minute": 57, "second": 55}
